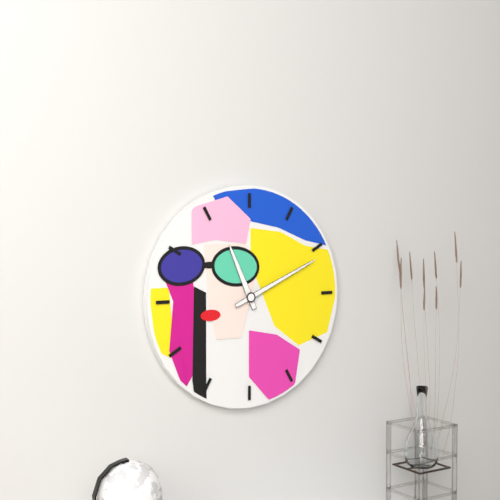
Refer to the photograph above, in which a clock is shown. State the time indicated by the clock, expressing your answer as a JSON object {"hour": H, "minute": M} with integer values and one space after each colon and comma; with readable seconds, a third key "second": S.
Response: {"hour": 11, "minute": 11}
